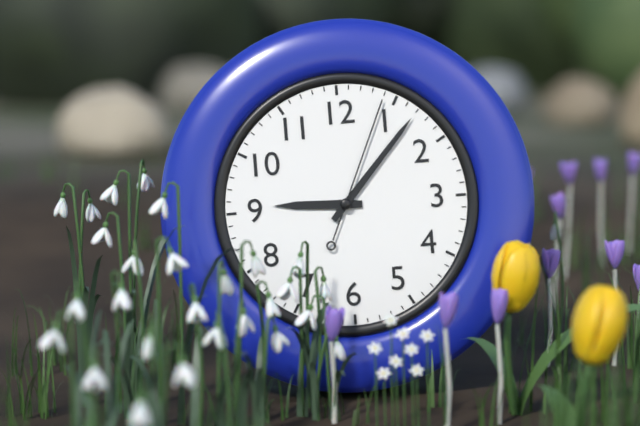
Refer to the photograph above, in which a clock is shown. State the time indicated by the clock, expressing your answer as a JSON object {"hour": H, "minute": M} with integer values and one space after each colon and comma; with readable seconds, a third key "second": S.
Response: {"hour": 9, "minute": 7, "second": 4}
